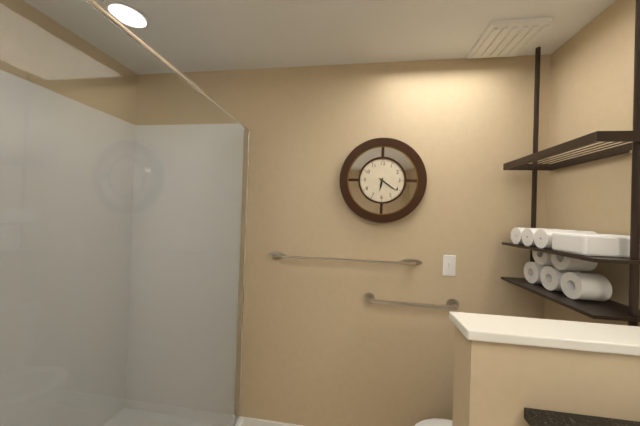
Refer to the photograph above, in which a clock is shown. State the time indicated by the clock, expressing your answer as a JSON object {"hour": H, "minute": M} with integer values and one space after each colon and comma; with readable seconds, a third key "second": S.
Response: {"hour": 6, "minute": 21}
